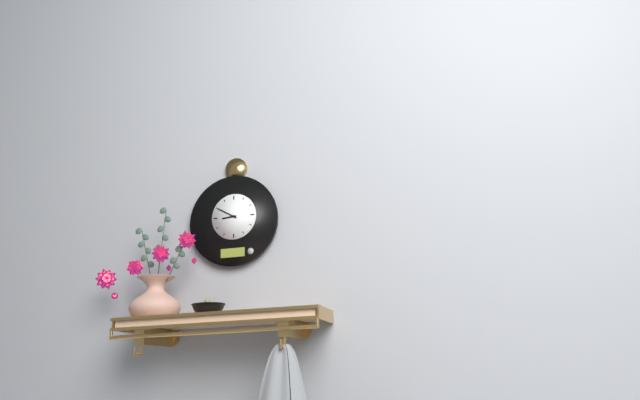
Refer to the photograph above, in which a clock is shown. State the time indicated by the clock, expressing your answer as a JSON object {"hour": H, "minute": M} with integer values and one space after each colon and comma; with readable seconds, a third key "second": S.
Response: {"hour": 8, "minute": 50}
